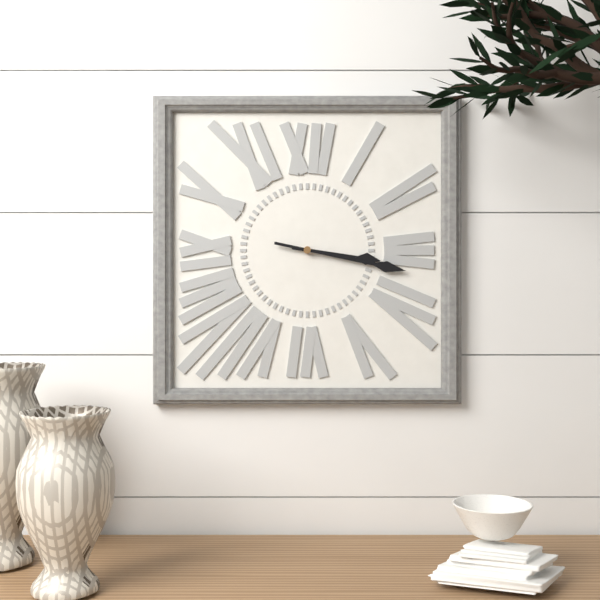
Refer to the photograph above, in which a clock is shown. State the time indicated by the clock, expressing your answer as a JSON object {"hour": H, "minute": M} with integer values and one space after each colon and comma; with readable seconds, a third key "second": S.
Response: {"hour": 3, "minute": 17}
